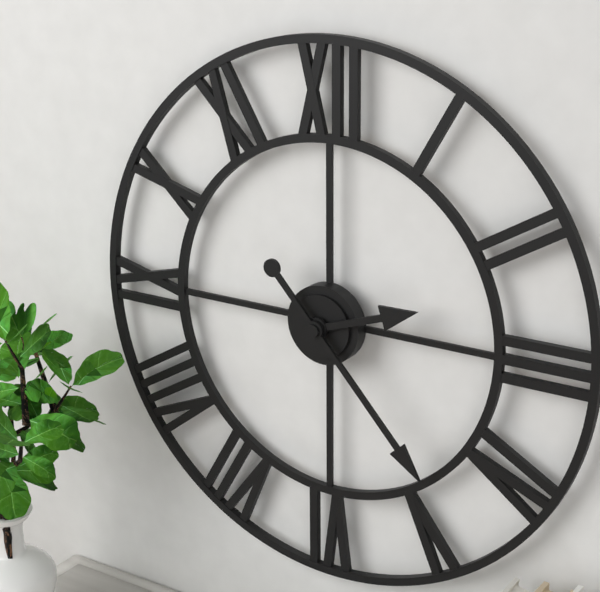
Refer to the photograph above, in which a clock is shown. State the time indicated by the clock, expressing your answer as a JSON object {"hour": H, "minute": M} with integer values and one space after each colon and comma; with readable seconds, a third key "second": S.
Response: {"hour": 2, "minute": 23}
